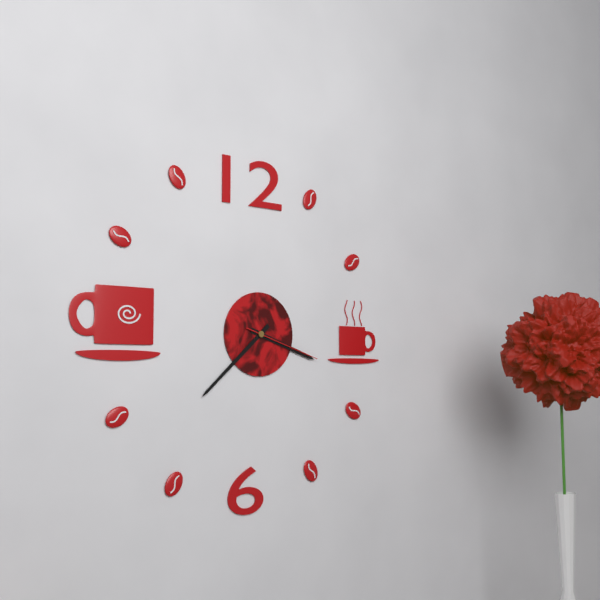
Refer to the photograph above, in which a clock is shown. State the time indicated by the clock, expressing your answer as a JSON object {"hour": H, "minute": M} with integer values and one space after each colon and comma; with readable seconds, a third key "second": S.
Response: {"hour": 3, "minute": 38, "second": 18}
